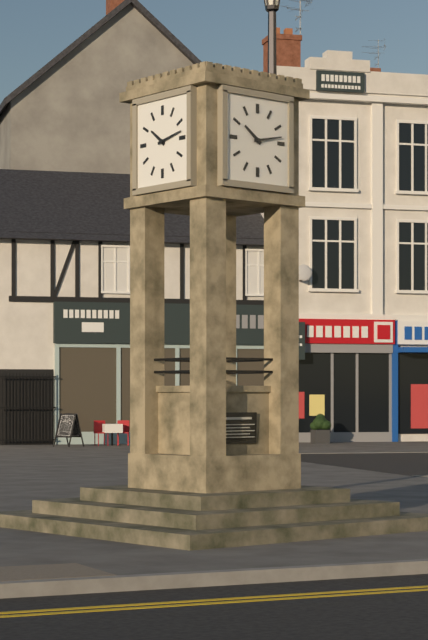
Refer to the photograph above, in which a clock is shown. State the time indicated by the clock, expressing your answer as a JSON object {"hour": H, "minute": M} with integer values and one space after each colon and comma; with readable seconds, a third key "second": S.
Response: {"hour": 10, "minute": 13}
